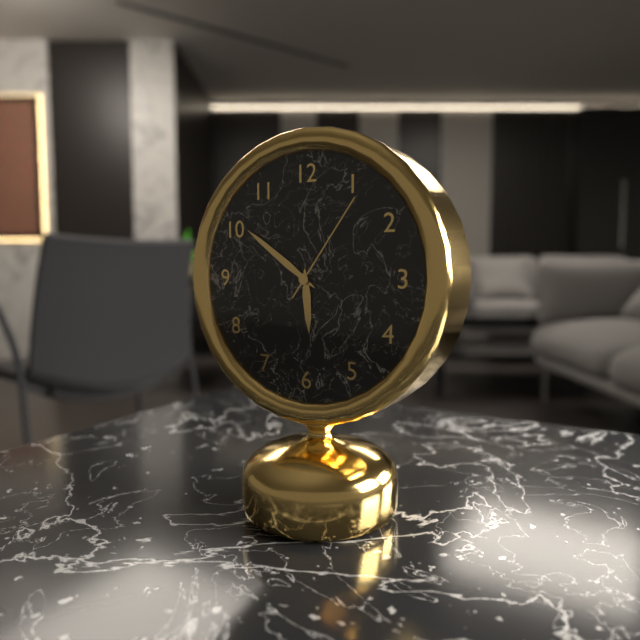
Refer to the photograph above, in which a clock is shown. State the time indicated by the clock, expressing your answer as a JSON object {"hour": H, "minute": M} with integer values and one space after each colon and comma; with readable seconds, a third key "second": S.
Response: {"hour": 5, "minute": 51, "second": 6}
